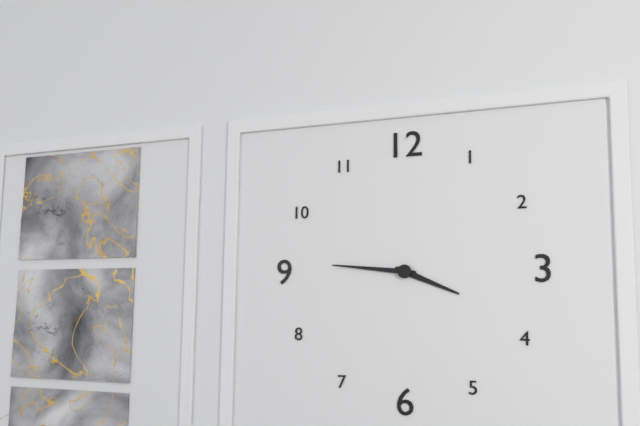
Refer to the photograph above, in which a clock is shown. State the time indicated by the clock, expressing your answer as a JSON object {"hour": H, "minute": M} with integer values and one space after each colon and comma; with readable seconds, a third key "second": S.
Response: {"hour": 3, "minute": 46}
